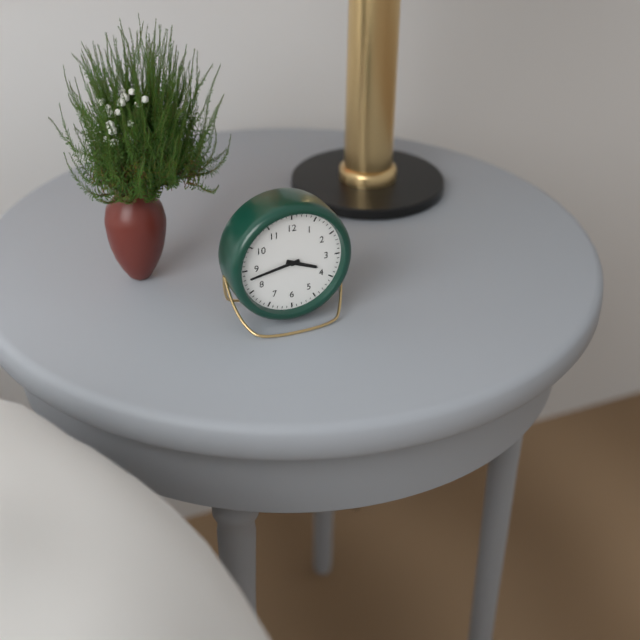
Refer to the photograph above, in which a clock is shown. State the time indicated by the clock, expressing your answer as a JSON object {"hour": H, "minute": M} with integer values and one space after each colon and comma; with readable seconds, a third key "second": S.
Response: {"hour": 3, "minute": 43}
